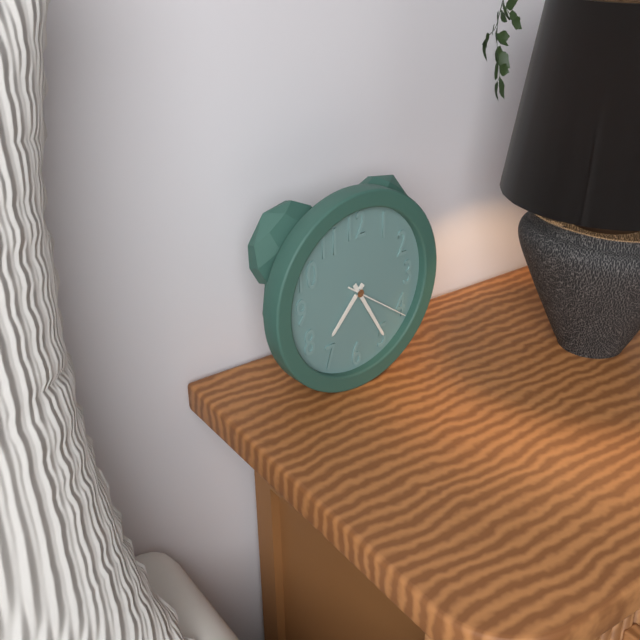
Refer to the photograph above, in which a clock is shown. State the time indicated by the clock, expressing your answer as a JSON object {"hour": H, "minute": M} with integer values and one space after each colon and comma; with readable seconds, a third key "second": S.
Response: {"hour": 7, "minute": 25, "second": 21}
